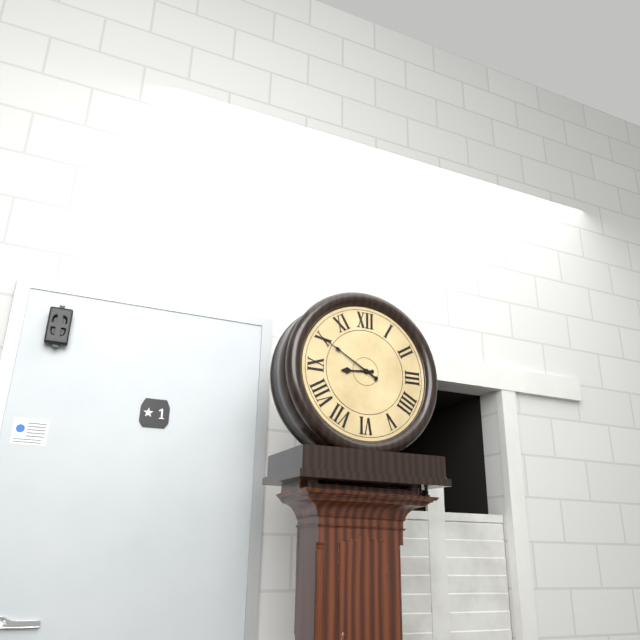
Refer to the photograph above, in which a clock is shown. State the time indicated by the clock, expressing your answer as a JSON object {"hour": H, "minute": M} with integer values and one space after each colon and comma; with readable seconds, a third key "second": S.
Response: {"hour": 8, "minute": 50}
